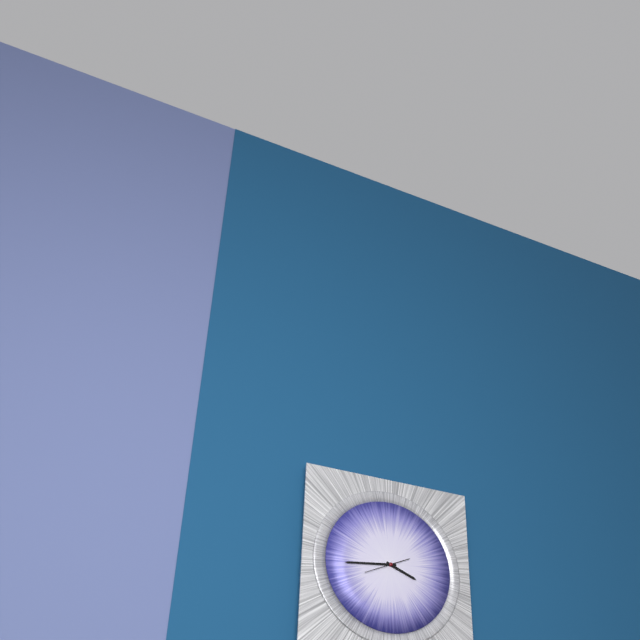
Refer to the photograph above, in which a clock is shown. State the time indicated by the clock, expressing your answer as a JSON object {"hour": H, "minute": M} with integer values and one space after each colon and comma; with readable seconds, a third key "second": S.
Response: {"hour": 3, "minute": 44}
